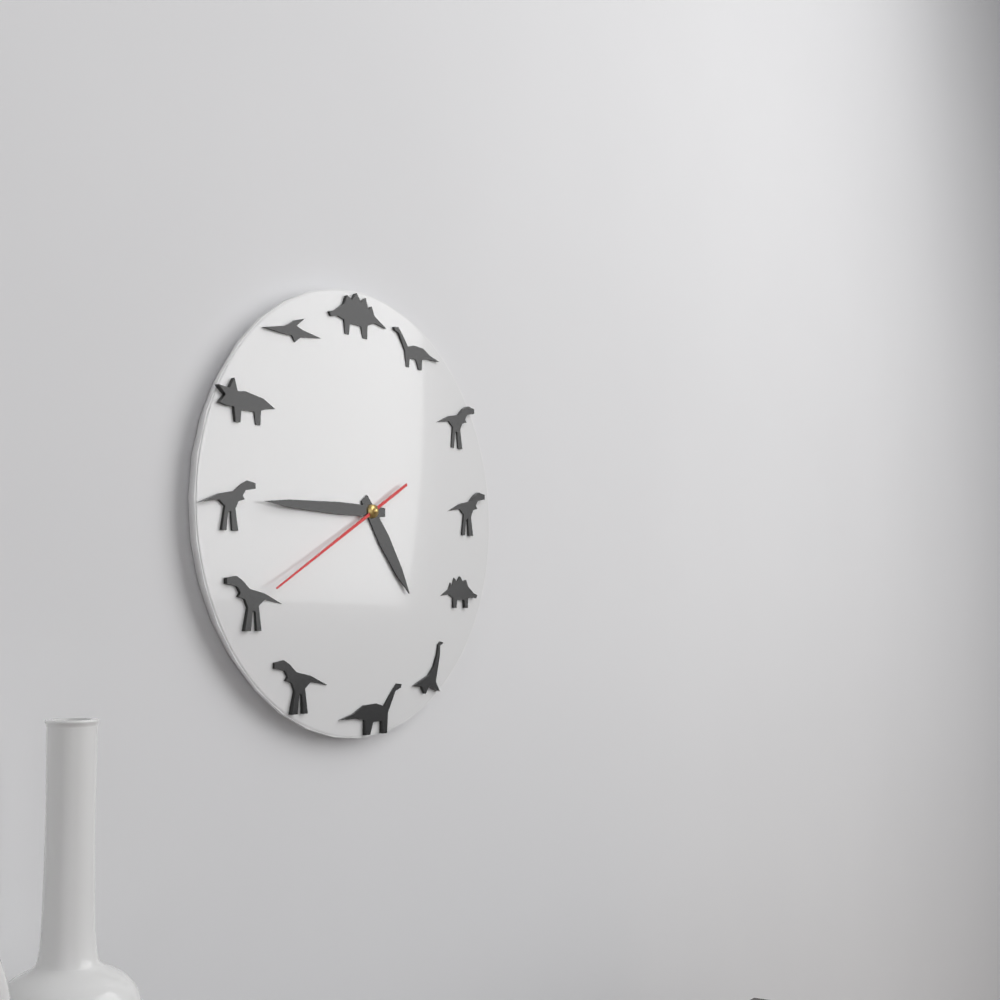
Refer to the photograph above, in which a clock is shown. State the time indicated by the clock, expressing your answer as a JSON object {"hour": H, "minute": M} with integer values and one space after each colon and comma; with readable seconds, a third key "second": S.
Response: {"hour": 4, "minute": 45, "second": 40}
